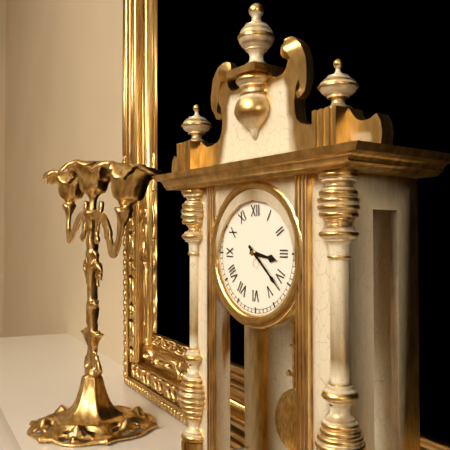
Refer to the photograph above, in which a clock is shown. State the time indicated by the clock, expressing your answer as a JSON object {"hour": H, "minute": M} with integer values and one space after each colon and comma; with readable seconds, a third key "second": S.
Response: {"hour": 3, "minute": 22}
